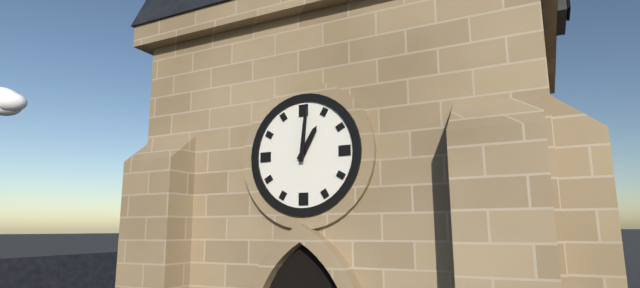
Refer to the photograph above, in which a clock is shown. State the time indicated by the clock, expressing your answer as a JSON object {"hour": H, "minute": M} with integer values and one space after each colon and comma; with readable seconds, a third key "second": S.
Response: {"hour": 1, "minute": 1}
